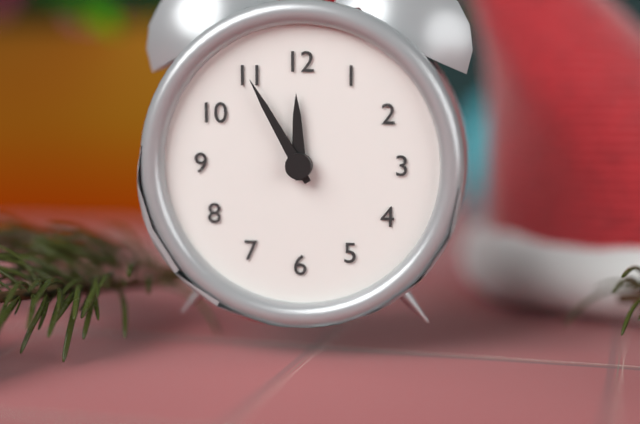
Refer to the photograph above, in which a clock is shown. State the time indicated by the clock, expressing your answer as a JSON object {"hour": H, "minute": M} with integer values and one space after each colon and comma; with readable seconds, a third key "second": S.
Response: {"hour": 11, "minute": 55}
